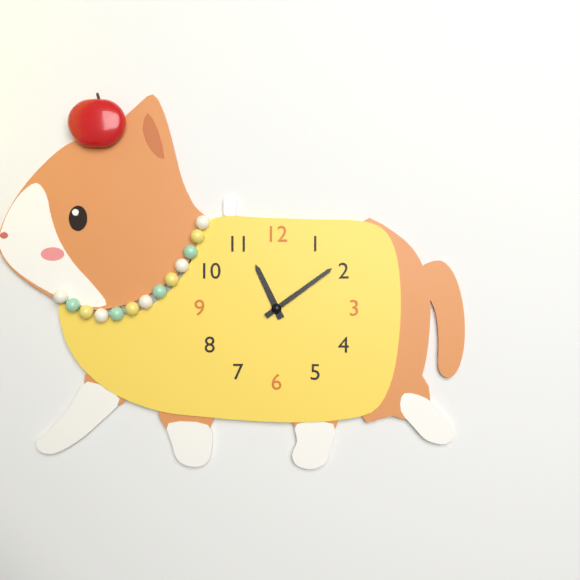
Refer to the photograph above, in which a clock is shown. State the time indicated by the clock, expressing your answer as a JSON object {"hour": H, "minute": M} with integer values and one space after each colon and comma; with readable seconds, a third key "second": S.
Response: {"hour": 11, "minute": 9}
